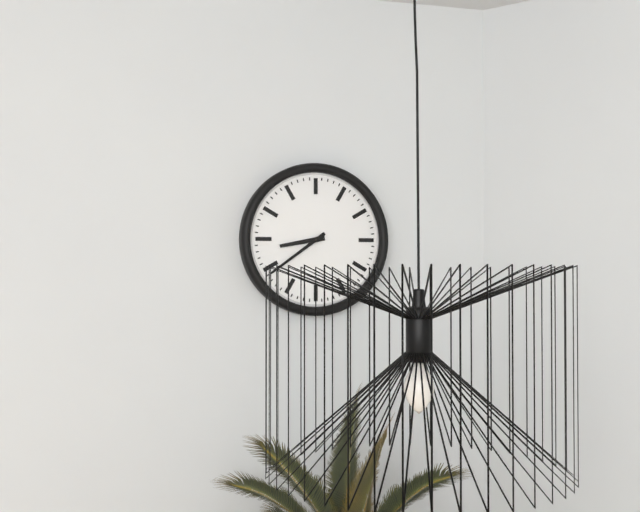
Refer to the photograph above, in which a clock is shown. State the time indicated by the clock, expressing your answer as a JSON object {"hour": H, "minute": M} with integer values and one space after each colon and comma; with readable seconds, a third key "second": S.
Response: {"hour": 8, "minute": 39}
